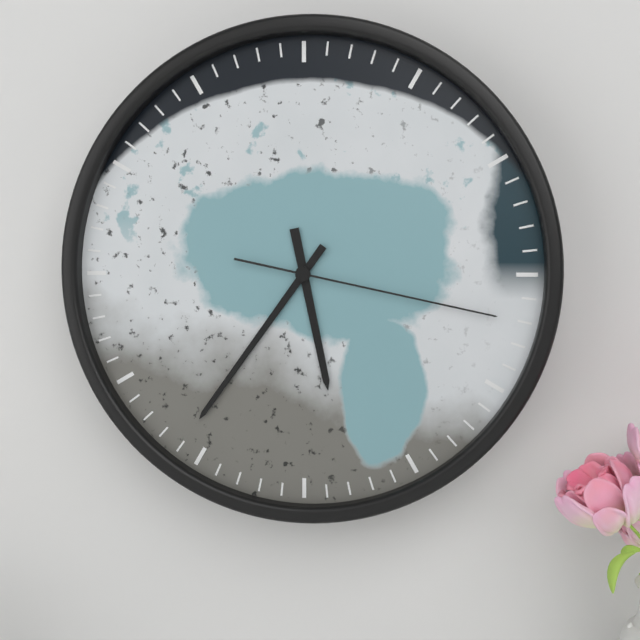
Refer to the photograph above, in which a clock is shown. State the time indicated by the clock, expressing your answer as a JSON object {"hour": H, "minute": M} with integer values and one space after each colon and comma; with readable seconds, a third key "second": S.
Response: {"hour": 5, "minute": 36, "second": 17}
